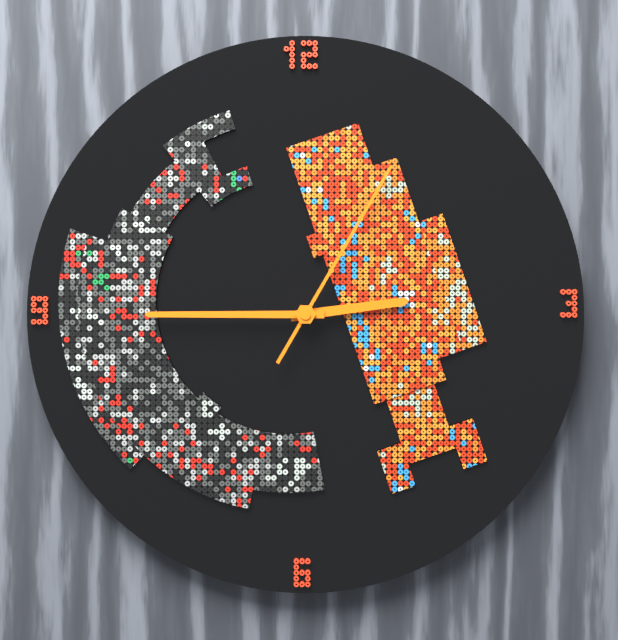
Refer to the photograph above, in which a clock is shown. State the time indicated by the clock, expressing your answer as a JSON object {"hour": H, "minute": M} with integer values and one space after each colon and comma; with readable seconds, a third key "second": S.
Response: {"hour": 2, "minute": 45, "second": 5}
